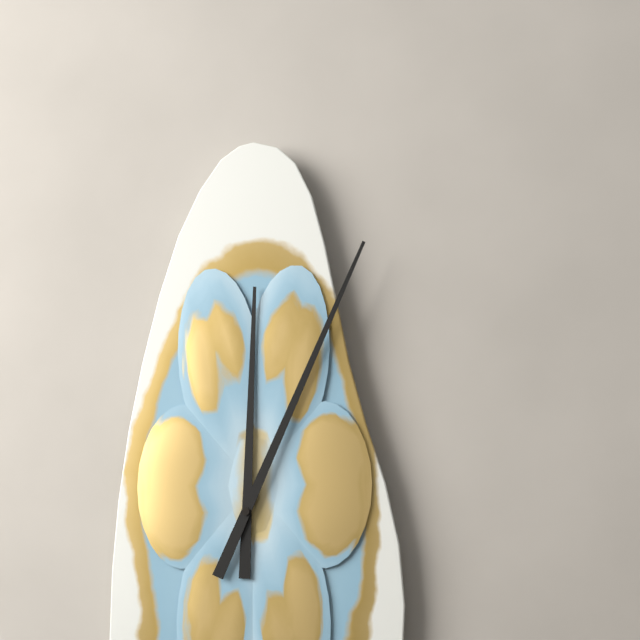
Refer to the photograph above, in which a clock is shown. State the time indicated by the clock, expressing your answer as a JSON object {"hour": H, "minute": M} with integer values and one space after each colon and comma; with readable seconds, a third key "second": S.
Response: {"hour": 12, "minute": 4}
